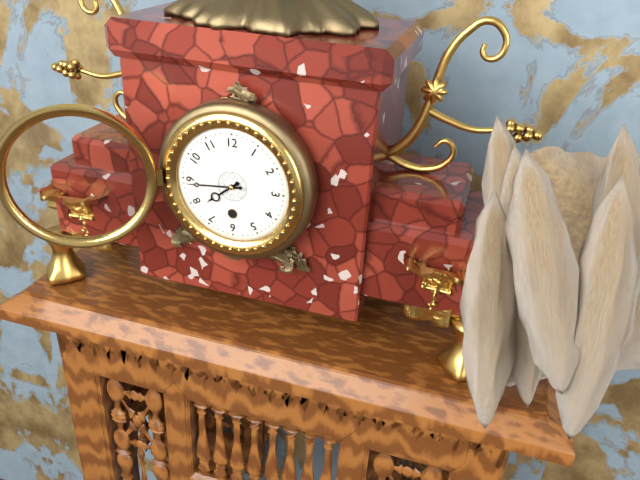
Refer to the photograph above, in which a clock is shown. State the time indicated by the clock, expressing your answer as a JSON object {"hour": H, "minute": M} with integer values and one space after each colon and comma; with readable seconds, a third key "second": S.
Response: {"hour": 7, "minute": 44}
